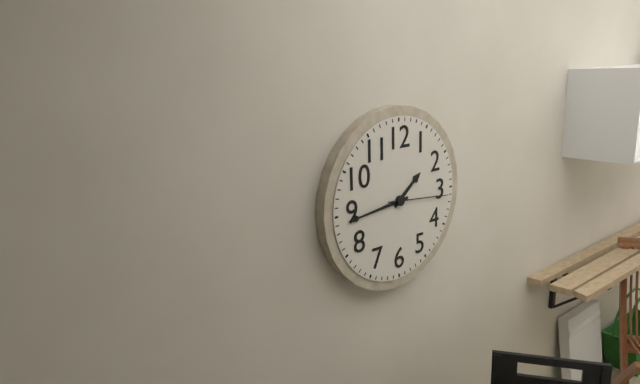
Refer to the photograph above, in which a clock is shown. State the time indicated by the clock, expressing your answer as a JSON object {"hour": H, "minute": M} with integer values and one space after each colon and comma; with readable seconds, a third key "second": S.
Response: {"hour": 1, "minute": 44, "second": 16}
